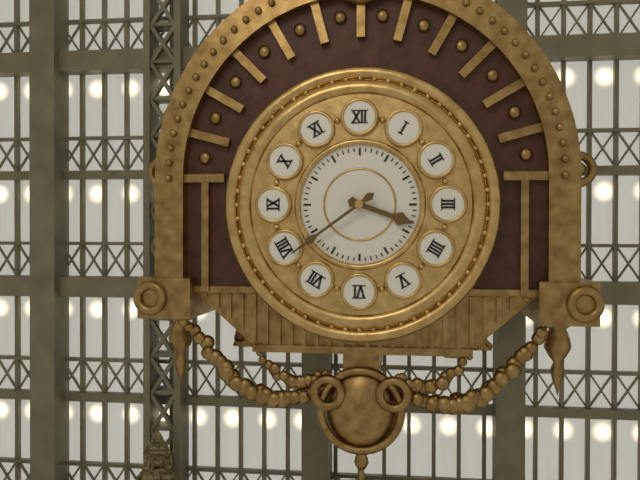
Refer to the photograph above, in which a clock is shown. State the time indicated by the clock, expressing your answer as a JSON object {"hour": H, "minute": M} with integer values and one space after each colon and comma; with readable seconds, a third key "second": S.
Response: {"hour": 3, "minute": 39}
